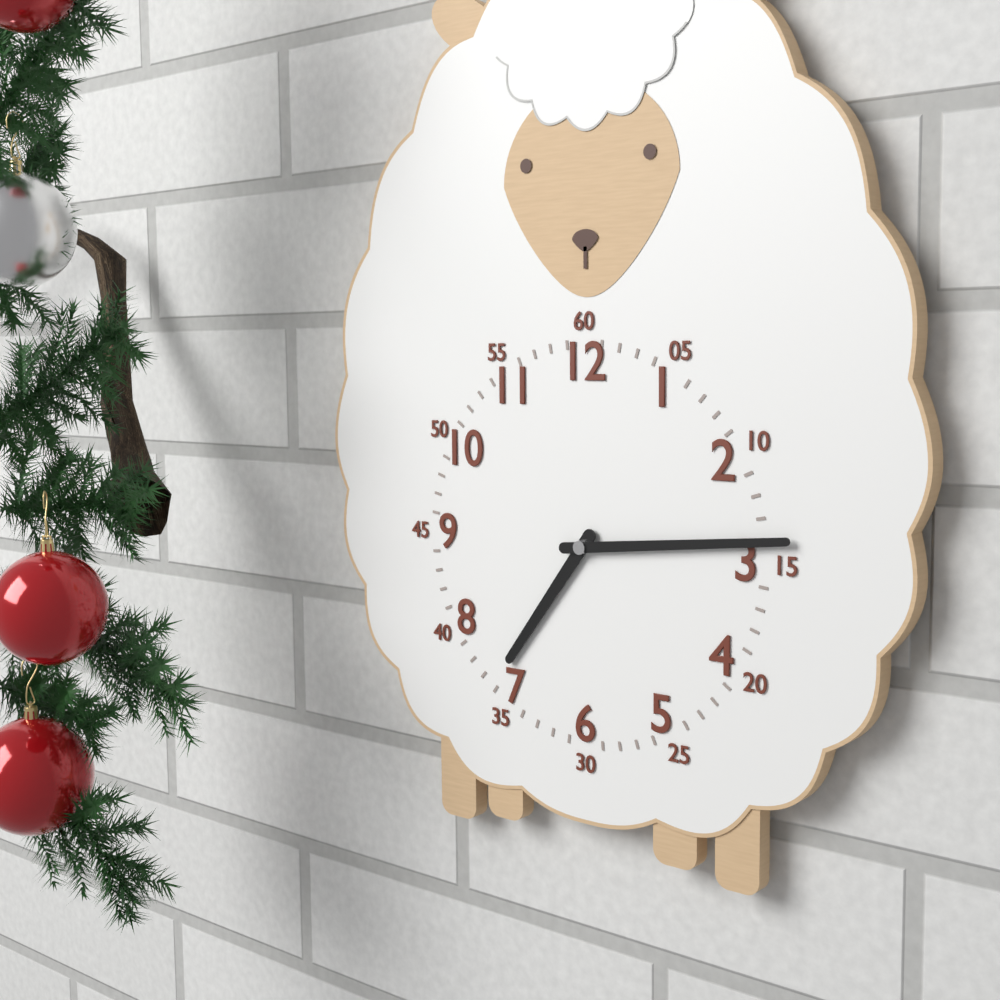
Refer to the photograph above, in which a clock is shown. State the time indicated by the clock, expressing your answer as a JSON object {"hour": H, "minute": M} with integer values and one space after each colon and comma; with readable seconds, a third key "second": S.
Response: {"hour": 7, "minute": 14}
